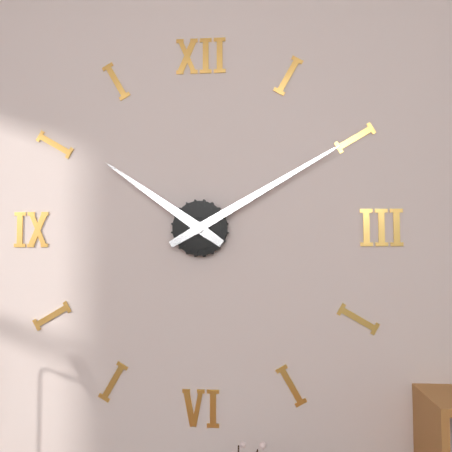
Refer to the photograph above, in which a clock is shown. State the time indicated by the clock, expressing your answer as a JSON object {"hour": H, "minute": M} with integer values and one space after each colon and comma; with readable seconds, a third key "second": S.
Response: {"hour": 10, "minute": 10}
